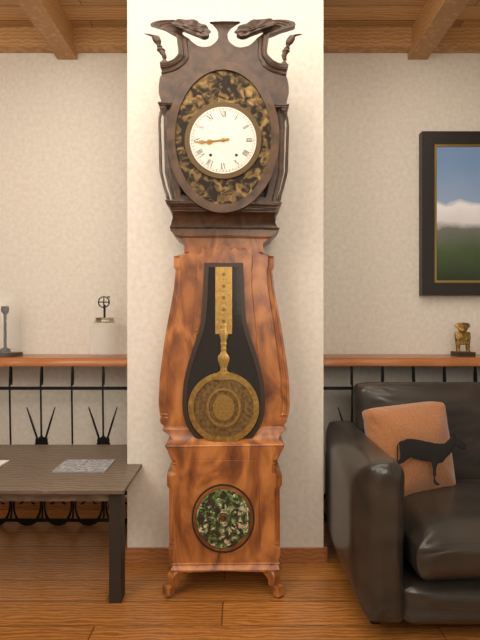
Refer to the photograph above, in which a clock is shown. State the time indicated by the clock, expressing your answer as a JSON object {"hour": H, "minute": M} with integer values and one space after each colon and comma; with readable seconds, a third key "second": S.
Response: {"hour": 8, "minute": 44}
